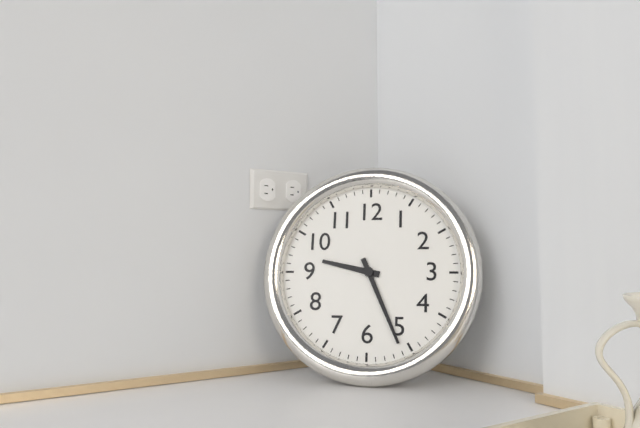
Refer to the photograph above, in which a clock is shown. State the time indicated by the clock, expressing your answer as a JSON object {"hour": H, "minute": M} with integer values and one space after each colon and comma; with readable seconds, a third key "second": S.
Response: {"hour": 9, "minute": 26}
